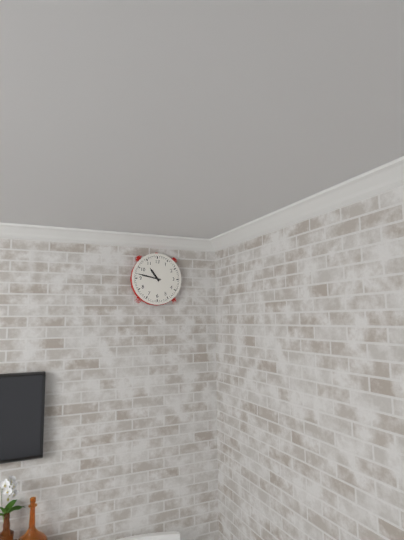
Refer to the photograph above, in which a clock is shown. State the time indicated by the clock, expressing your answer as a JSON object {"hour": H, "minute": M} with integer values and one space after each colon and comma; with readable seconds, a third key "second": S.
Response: {"hour": 10, "minute": 47}
